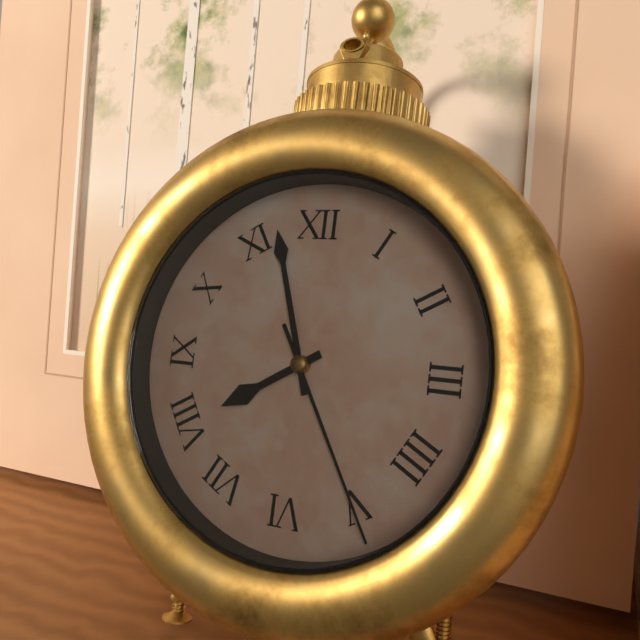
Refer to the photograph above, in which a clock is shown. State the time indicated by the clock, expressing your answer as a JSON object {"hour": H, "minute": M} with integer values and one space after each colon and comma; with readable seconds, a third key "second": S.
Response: {"hour": 7, "minute": 57, "second": 25}
